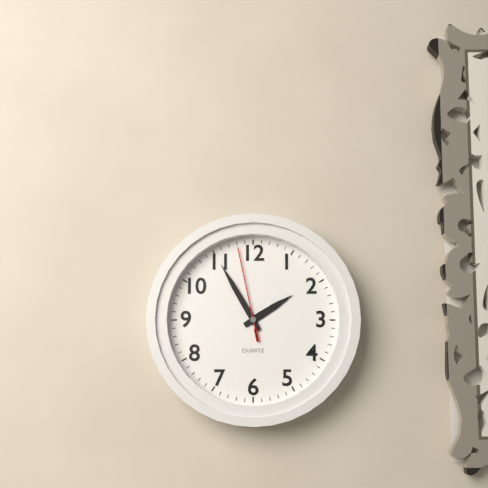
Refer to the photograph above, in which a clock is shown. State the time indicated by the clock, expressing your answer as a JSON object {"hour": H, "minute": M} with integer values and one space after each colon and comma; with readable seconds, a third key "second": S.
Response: {"hour": 1, "minute": 55, "second": 58}
